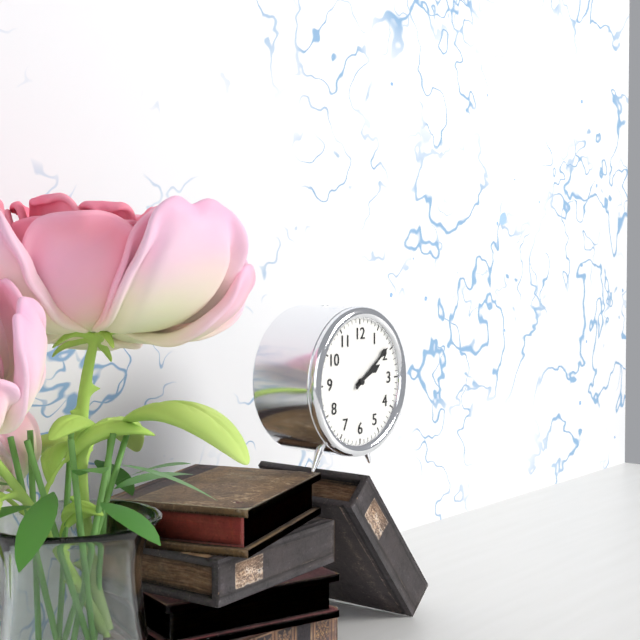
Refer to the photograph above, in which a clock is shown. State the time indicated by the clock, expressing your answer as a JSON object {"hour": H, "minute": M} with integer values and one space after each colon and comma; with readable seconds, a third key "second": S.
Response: {"hour": 2, "minute": 9}
